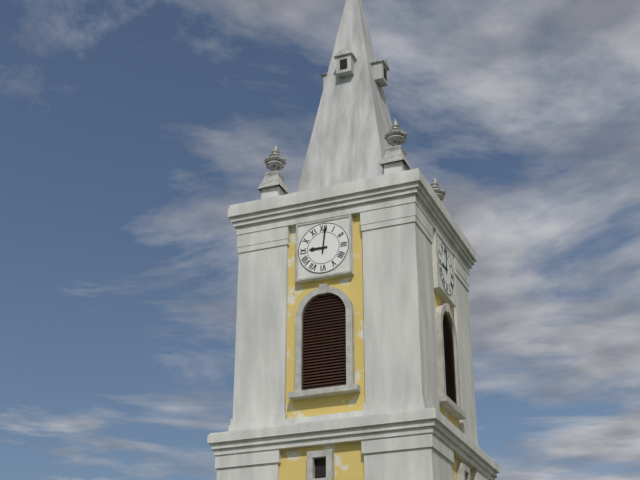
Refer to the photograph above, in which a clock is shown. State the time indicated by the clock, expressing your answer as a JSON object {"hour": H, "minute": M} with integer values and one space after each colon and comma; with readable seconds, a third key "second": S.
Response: {"hour": 9, "minute": 1}
